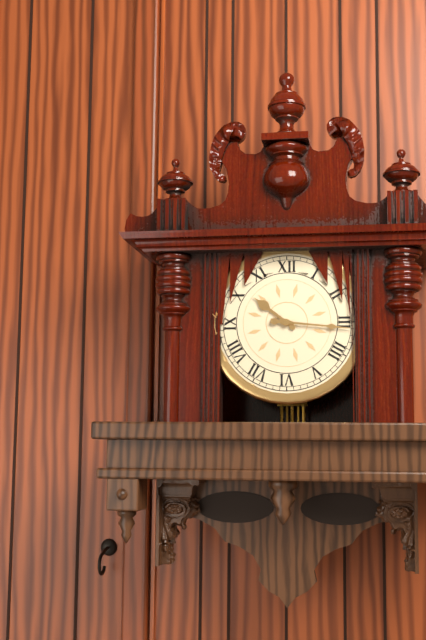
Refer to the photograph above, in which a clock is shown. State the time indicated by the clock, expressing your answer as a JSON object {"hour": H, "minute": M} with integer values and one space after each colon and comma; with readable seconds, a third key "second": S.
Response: {"hour": 10, "minute": 16}
